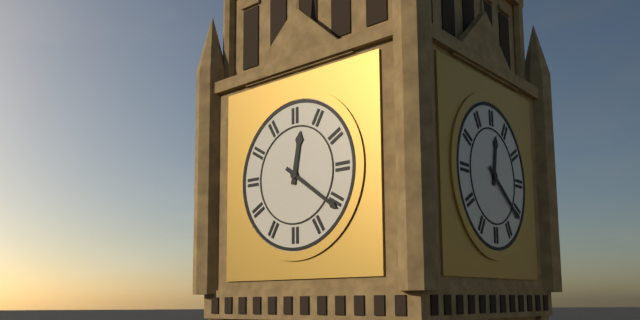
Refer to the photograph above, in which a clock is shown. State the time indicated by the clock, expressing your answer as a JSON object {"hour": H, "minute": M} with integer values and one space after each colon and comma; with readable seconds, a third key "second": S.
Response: {"hour": 12, "minute": 21}
